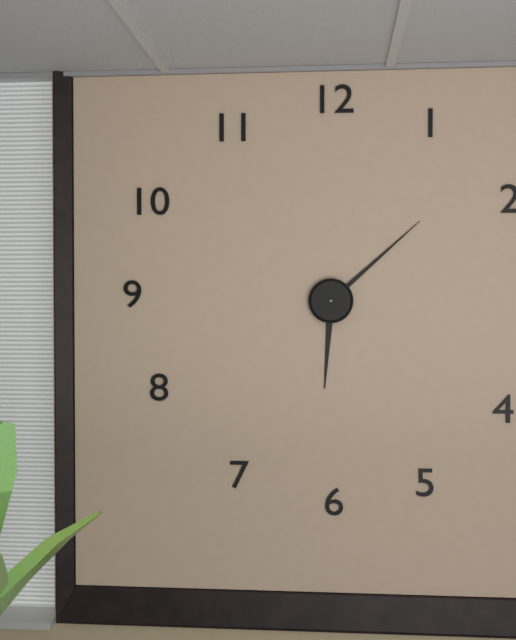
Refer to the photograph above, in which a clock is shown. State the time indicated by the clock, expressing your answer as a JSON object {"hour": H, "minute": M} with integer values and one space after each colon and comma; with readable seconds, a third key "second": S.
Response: {"hour": 6, "minute": 8}
